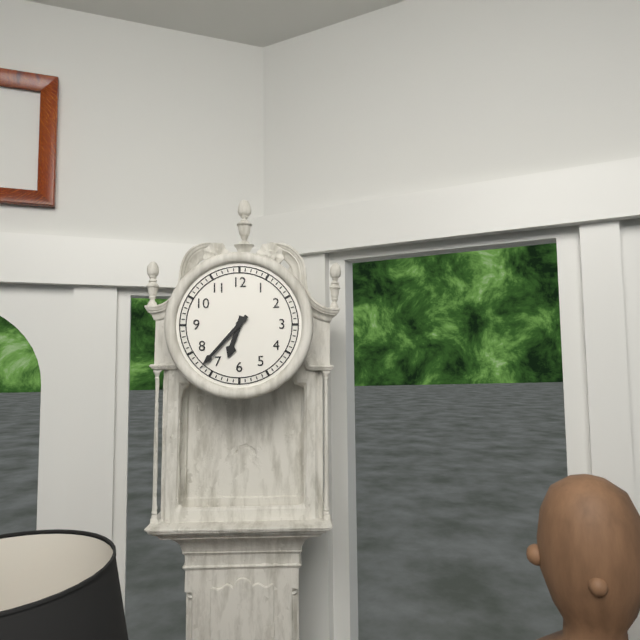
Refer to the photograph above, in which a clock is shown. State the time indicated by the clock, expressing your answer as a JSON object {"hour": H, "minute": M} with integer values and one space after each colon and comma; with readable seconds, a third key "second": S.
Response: {"hour": 6, "minute": 37}
